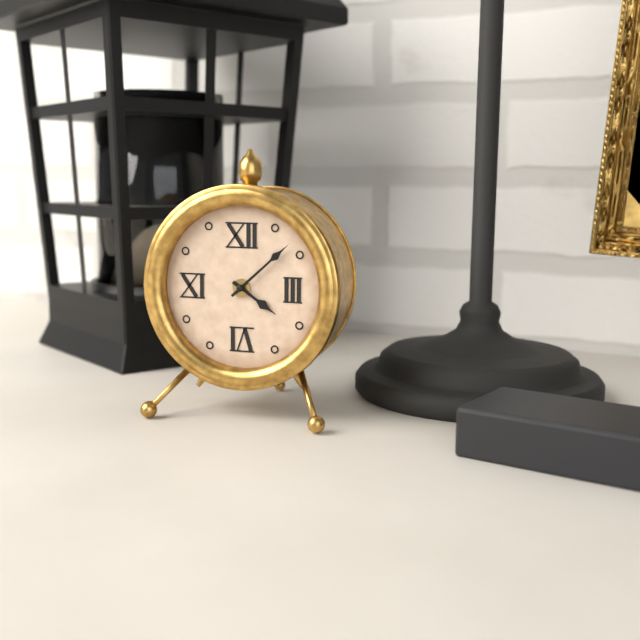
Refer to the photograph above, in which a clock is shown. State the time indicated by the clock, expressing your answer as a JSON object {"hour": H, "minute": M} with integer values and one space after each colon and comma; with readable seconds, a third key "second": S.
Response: {"hour": 4, "minute": 8}
